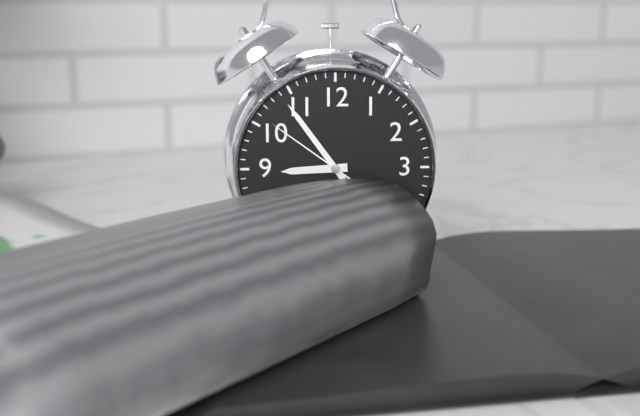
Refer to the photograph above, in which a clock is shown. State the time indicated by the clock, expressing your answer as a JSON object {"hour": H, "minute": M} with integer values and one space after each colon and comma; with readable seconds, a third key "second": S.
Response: {"hour": 8, "minute": 54, "second": 51}
